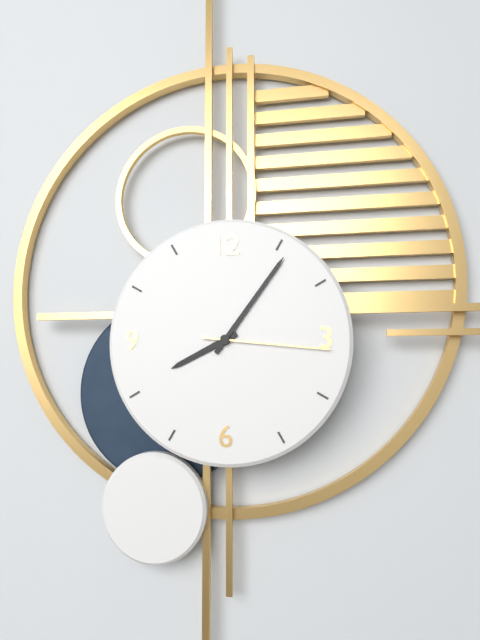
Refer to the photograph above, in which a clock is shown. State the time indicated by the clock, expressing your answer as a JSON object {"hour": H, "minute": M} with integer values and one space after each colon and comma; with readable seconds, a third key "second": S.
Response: {"hour": 8, "minute": 6, "second": 16}
